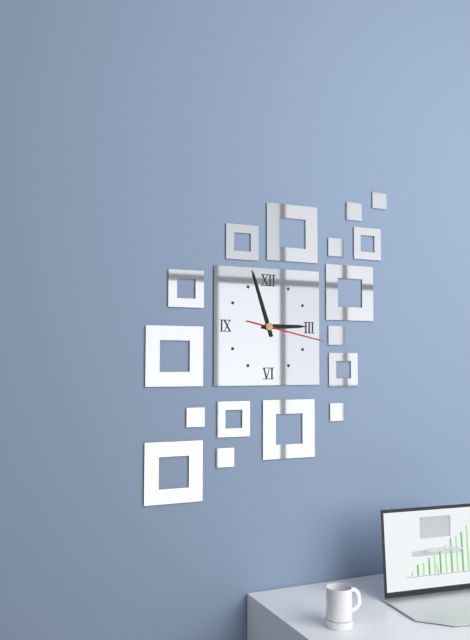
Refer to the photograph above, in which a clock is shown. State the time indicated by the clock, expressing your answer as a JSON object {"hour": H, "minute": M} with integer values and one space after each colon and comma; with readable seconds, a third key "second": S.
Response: {"hour": 2, "minute": 57, "second": 17}
